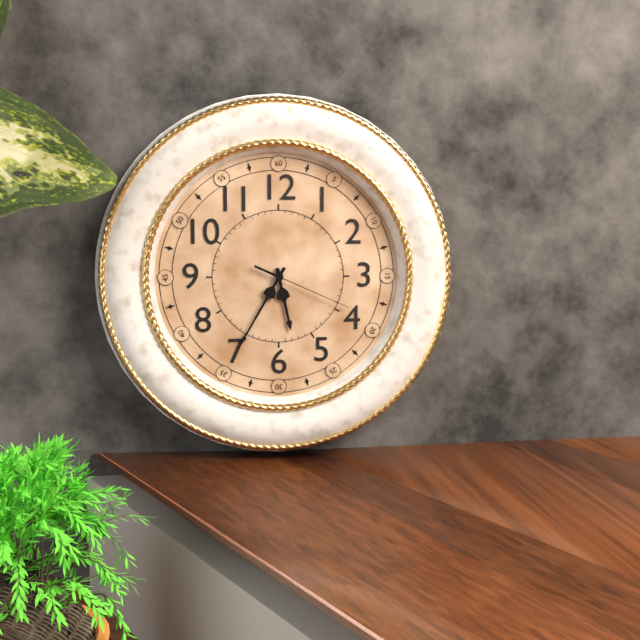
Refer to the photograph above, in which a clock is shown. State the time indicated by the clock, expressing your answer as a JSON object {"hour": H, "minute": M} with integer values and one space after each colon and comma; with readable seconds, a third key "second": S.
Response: {"hour": 5, "minute": 35, "second": 19}
